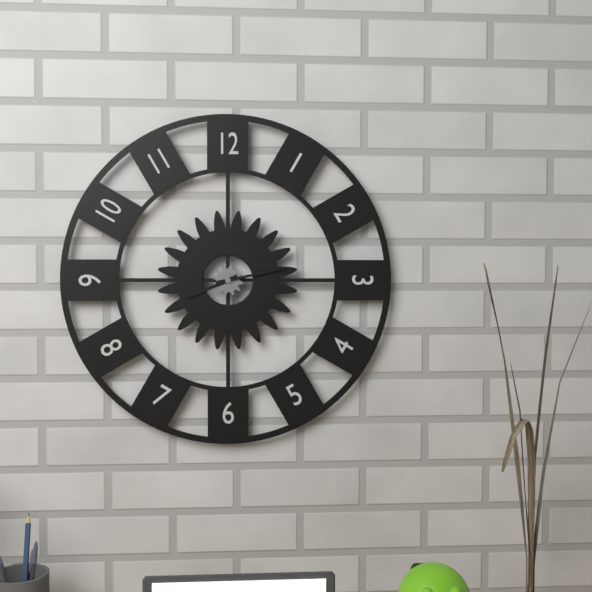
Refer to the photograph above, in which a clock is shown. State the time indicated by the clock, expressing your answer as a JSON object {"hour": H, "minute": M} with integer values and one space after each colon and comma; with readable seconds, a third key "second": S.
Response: {"hour": 8, "minute": 13}
